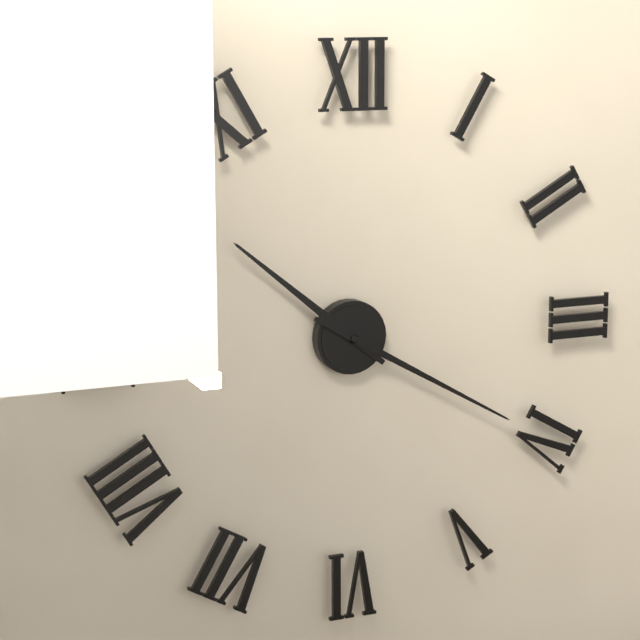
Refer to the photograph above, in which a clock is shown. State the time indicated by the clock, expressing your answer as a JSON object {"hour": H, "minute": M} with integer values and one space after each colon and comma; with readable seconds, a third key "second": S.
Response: {"hour": 10, "minute": 20}
